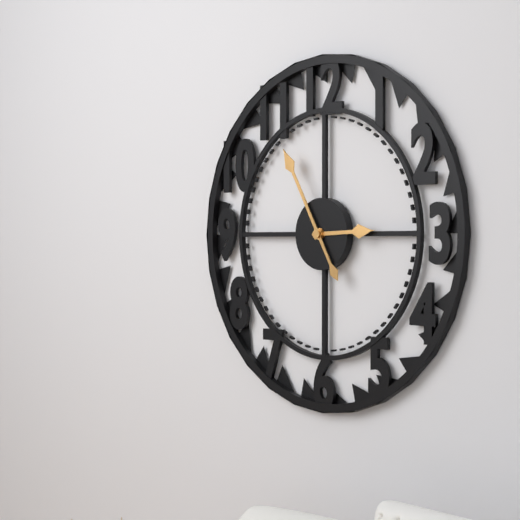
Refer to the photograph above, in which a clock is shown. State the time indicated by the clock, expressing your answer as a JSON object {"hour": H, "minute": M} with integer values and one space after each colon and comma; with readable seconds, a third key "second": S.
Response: {"hour": 2, "minute": 55}
